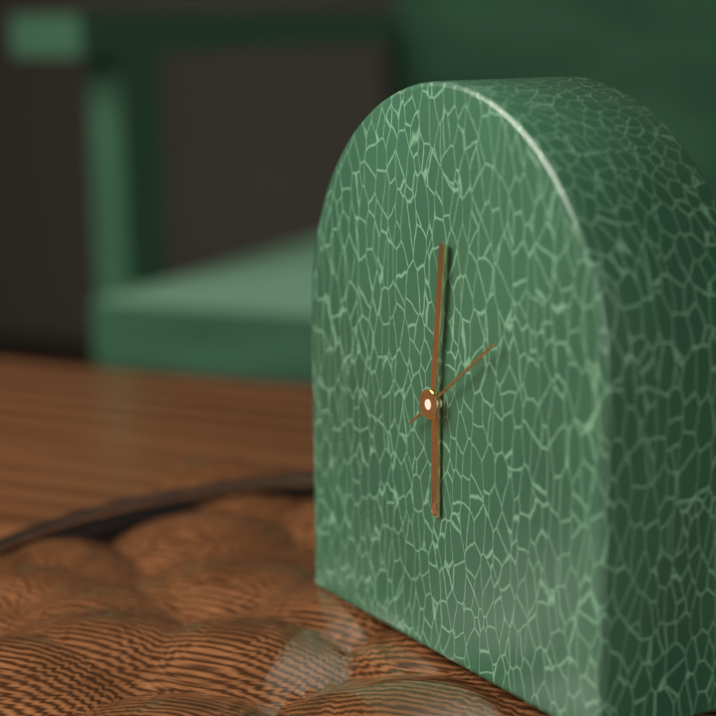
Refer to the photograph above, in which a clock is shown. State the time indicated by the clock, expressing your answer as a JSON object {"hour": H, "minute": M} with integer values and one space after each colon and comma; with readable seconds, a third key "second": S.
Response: {"hour": 6, "minute": 1, "second": 9}
